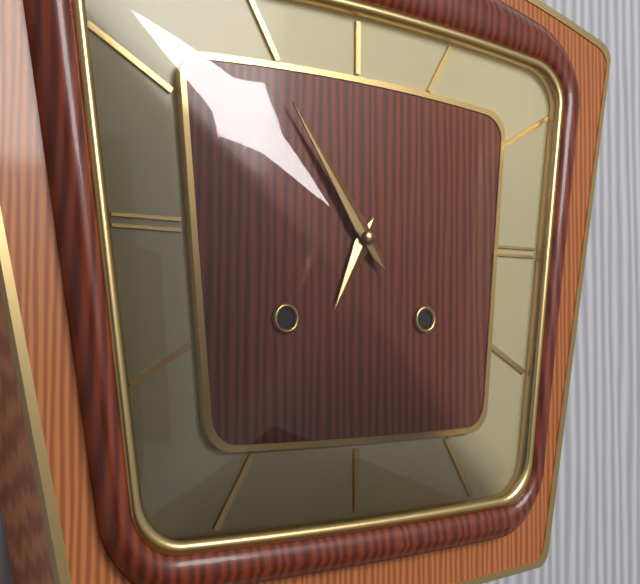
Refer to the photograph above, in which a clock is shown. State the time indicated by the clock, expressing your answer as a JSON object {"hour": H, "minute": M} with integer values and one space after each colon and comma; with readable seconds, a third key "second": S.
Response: {"hour": 6, "minute": 54}
